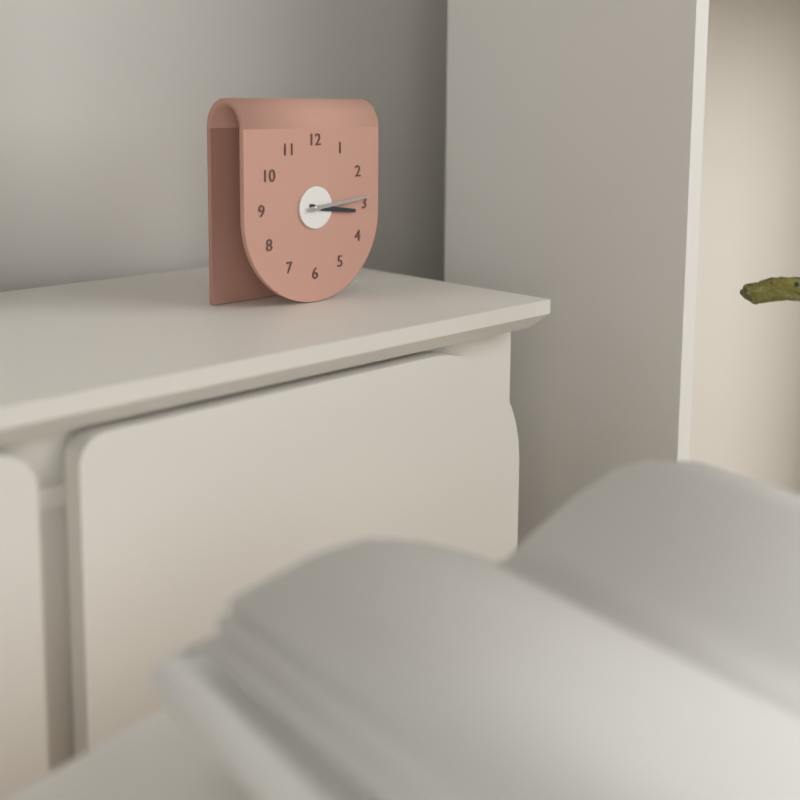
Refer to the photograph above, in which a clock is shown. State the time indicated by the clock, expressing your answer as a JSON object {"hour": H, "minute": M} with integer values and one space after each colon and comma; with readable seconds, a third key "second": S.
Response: {"hour": 3, "minute": 14}
